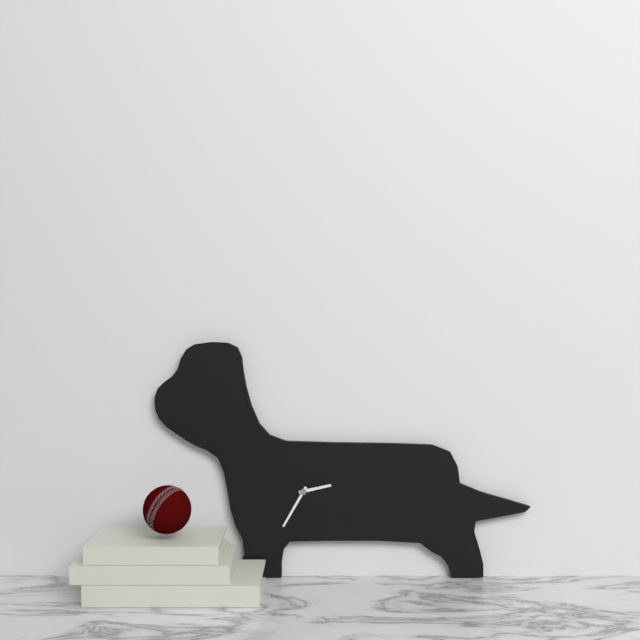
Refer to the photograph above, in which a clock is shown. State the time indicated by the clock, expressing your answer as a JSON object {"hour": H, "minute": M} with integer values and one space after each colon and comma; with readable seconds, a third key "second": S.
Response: {"hour": 2, "minute": 35}
